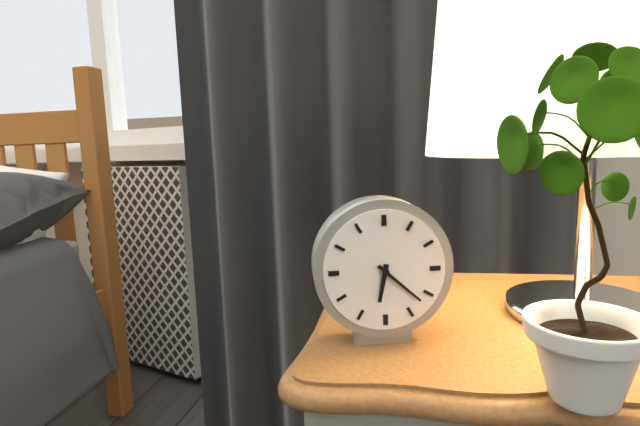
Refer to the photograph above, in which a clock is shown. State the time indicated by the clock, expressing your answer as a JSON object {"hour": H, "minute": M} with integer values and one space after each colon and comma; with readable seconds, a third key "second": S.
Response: {"hour": 6, "minute": 22}
